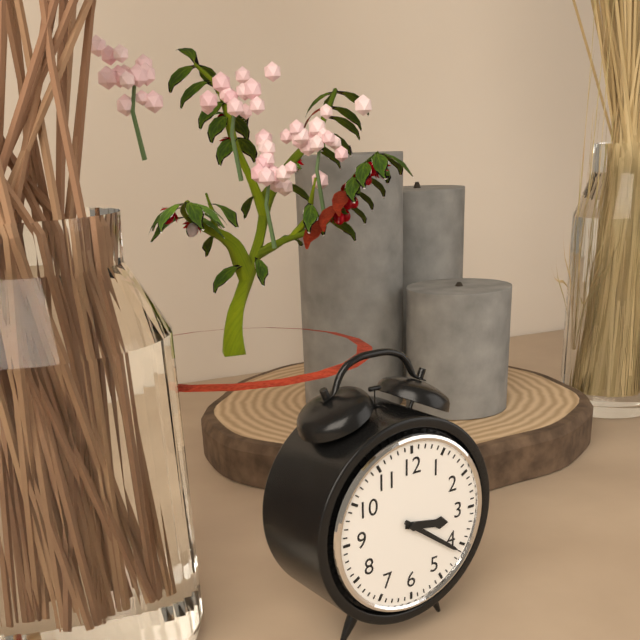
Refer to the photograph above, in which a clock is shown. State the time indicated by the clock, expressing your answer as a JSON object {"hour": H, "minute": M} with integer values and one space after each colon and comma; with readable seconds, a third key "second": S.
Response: {"hour": 3, "minute": 21}
